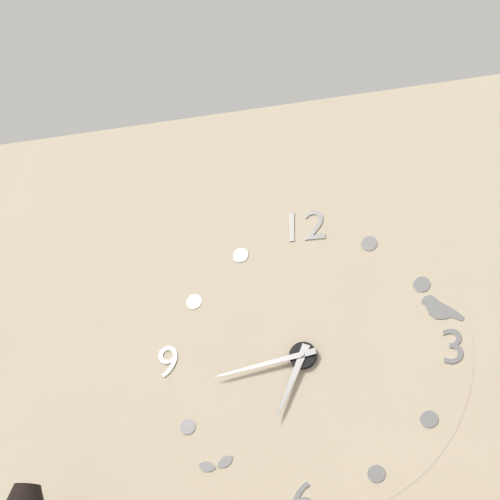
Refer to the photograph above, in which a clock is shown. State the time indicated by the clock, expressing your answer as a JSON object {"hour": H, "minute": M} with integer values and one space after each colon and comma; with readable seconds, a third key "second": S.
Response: {"hour": 6, "minute": 43}
